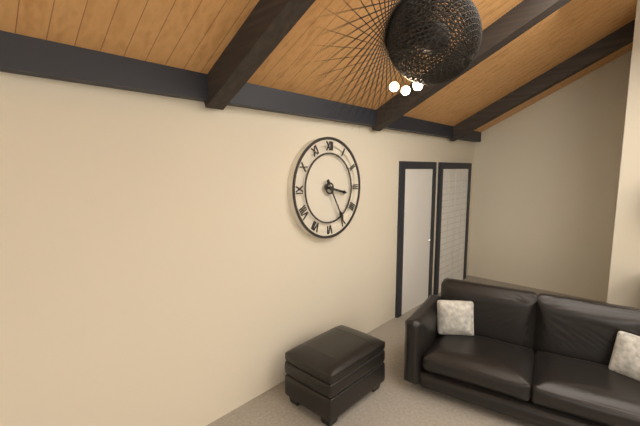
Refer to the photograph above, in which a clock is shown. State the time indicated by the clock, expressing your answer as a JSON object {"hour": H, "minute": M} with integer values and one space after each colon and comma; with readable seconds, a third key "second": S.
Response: {"hour": 3, "minute": 25}
